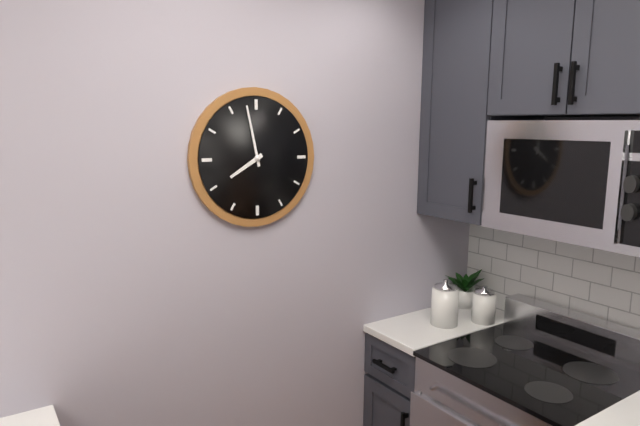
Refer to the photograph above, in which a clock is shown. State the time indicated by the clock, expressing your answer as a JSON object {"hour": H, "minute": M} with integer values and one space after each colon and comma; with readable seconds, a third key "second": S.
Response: {"hour": 7, "minute": 58}
